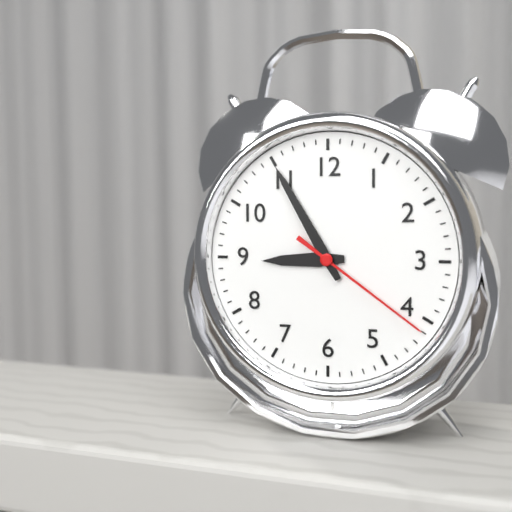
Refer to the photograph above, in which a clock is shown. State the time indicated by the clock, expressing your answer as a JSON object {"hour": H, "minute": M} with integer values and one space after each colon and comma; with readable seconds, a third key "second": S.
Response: {"hour": 8, "minute": 55, "second": 21}
